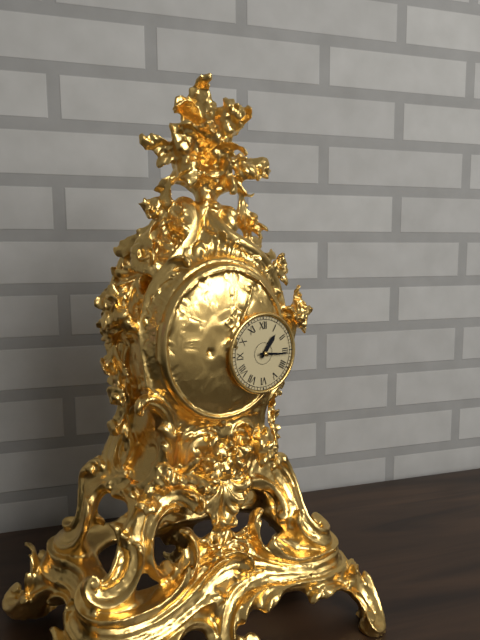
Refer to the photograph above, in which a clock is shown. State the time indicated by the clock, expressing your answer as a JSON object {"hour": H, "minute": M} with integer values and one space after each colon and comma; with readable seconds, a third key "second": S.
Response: {"hour": 1, "minute": 16}
